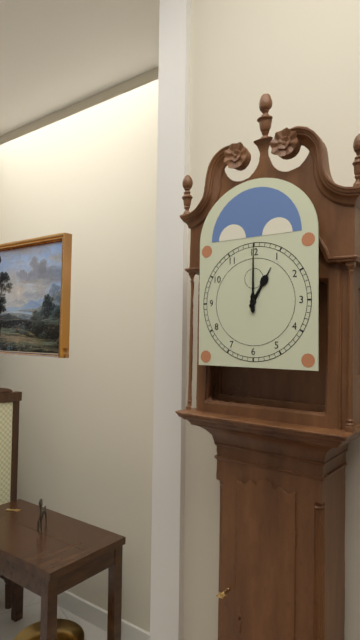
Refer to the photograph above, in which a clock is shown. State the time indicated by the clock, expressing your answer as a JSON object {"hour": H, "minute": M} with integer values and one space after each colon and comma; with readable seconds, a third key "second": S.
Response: {"hour": 1, "minute": 0}
